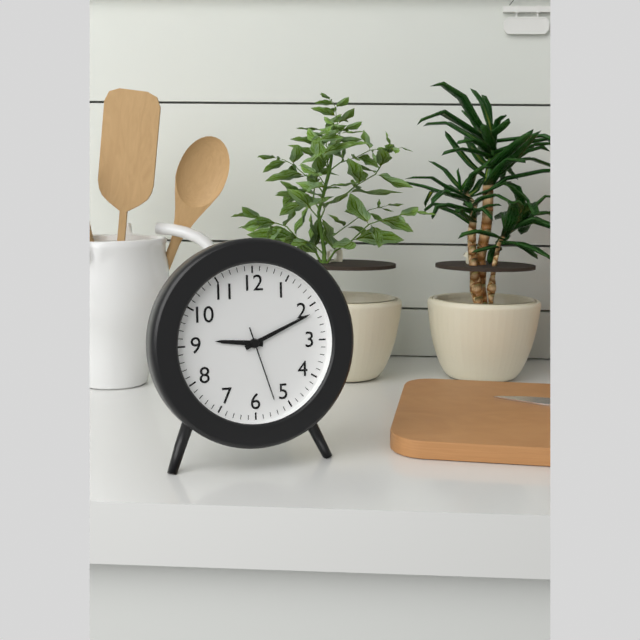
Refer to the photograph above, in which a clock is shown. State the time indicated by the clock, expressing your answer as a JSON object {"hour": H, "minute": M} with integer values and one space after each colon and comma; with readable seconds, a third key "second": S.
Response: {"hour": 9, "minute": 11, "second": 27}
